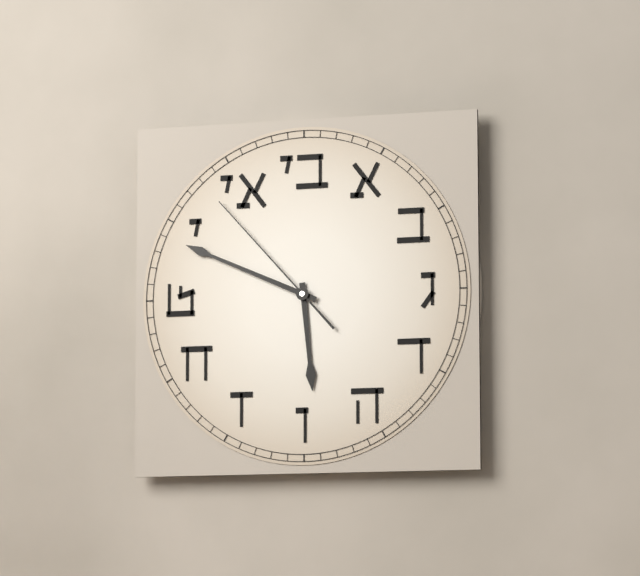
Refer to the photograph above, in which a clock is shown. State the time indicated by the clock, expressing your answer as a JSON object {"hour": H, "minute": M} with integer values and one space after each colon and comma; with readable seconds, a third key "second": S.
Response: {"hour": 5, "minute": 49, "second": 53}
